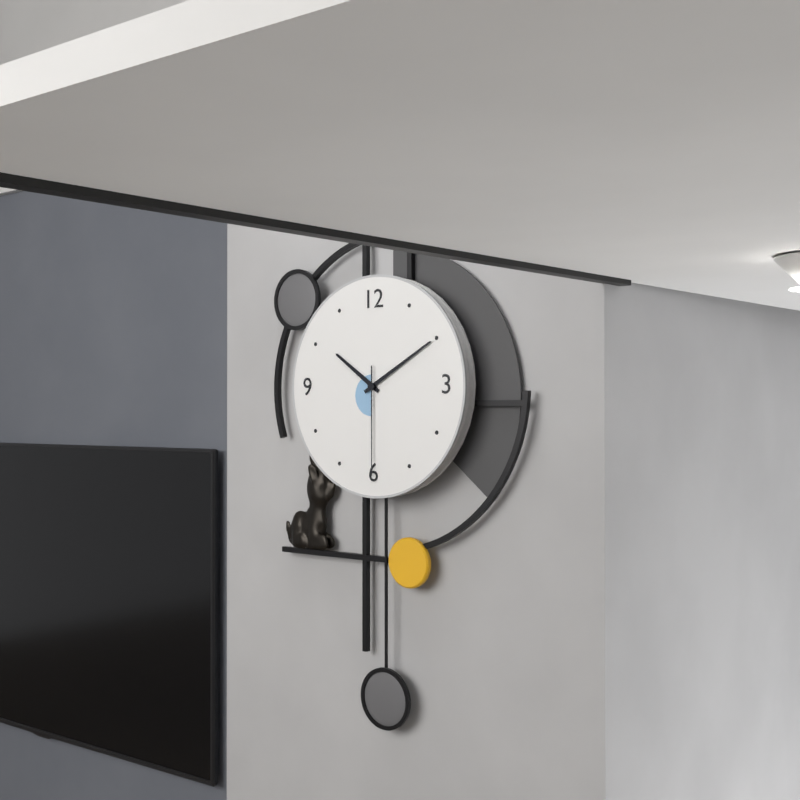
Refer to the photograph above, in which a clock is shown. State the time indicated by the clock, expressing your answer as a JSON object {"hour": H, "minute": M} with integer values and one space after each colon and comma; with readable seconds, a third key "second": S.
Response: {"hour": 10, "minute": 10, "second": 30}
